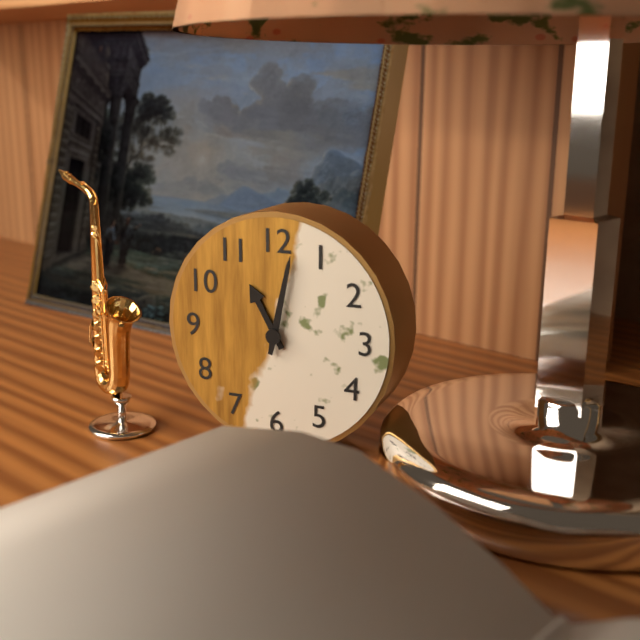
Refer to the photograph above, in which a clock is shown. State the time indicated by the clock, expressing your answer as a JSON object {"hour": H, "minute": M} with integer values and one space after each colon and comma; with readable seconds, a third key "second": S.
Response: {"hour": 11, "minute": 2}
